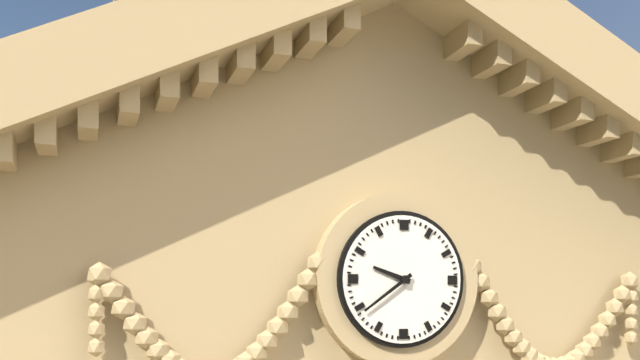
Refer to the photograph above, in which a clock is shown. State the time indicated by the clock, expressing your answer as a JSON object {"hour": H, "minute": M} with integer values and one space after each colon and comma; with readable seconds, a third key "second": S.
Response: {"hour": 9, "minute": 39}
